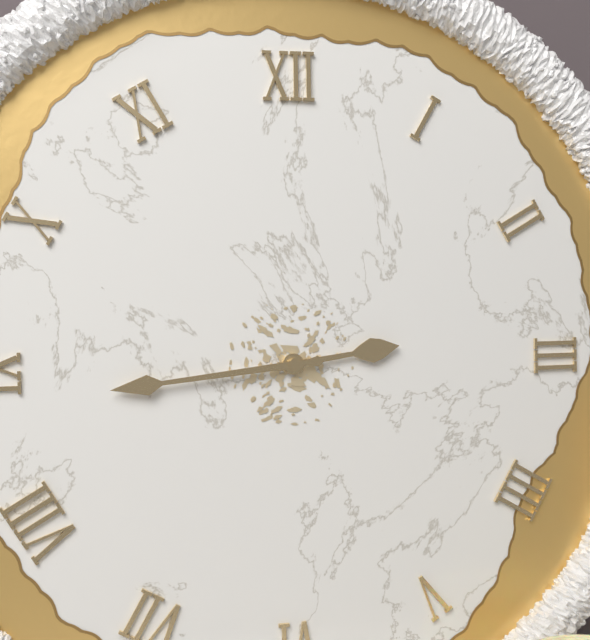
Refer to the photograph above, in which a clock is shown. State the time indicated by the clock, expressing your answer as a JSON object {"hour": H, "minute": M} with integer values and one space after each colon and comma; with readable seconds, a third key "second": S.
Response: {"hour": 2, "minute": 44}
